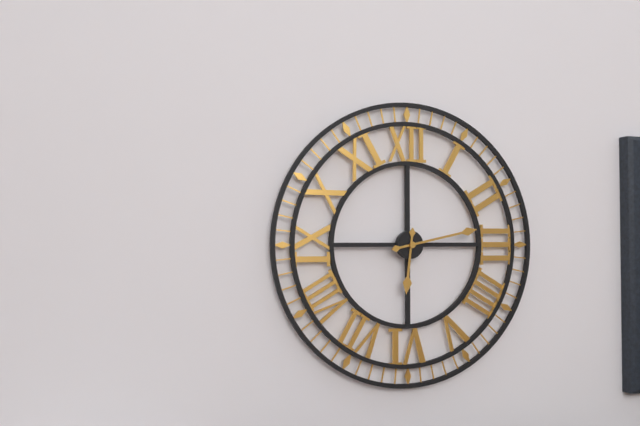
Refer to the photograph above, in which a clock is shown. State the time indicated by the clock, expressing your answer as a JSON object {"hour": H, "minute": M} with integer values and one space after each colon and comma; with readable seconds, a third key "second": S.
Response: {"hour": 6, "minute": 13}
